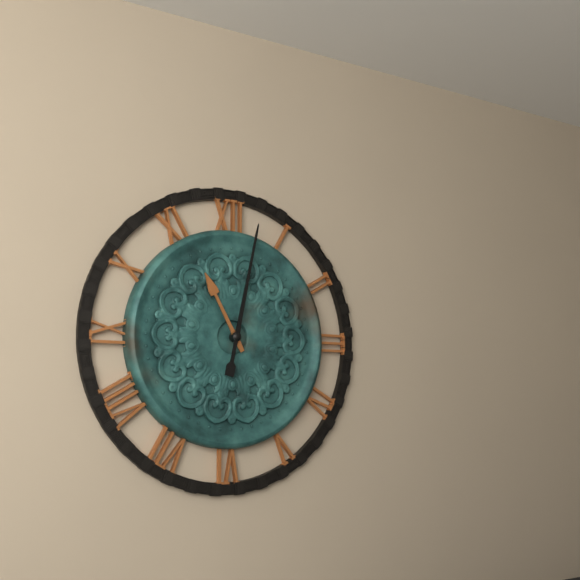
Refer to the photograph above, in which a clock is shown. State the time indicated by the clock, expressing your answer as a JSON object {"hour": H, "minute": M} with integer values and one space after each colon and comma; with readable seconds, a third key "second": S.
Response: {"hour": 11, "minute": 2}
